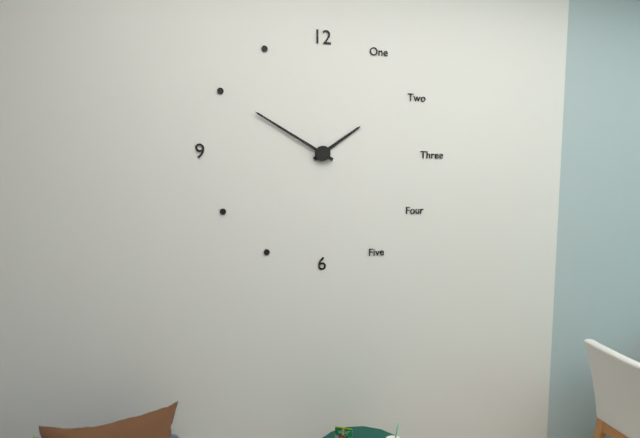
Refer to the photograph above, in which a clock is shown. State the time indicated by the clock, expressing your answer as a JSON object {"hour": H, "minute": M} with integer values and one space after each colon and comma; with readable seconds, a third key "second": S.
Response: {"hour": 1, "minute": 50}
